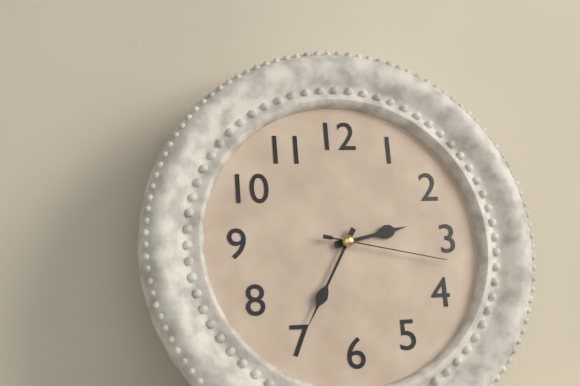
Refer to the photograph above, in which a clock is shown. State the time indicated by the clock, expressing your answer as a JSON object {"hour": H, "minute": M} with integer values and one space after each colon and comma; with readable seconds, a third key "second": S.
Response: {"hour": 2, "minute": 35, "second": 17}
